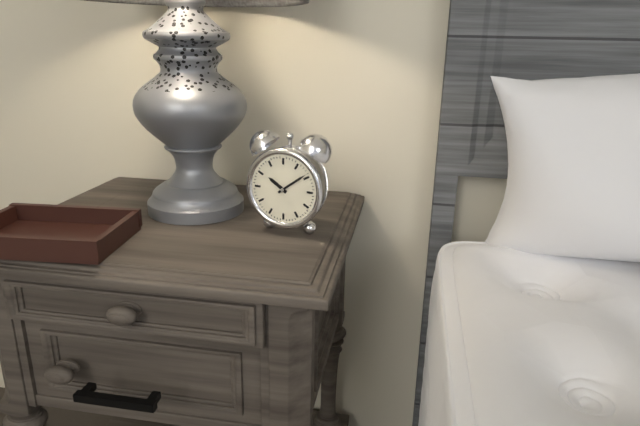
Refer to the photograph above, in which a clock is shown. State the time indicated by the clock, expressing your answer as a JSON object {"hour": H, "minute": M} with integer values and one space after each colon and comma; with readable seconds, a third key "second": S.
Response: {"hour": 10, "minute": 9}
